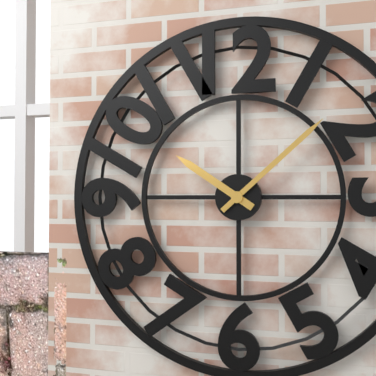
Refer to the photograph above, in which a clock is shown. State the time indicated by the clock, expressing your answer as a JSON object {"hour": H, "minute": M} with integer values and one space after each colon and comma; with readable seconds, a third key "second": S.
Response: {"hour": 10, "minute": 8}
